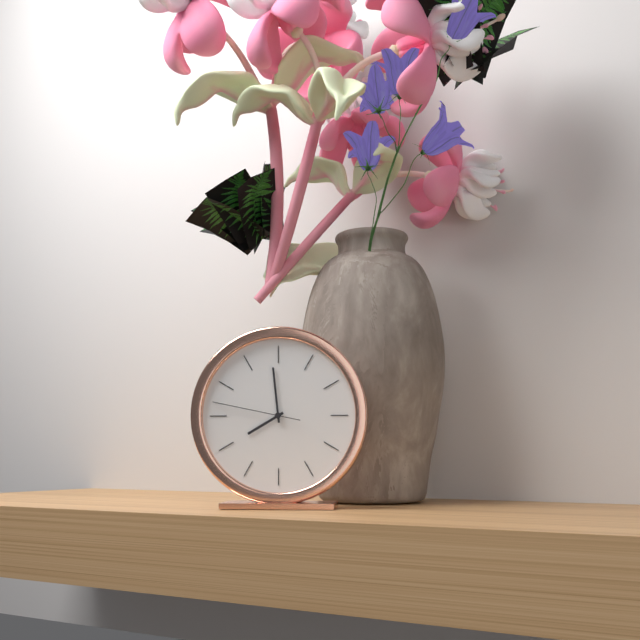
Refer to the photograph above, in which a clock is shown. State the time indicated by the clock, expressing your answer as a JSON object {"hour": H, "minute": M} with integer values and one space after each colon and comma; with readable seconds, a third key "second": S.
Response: {"hour": 7, "minute": 59, "second": 47}
